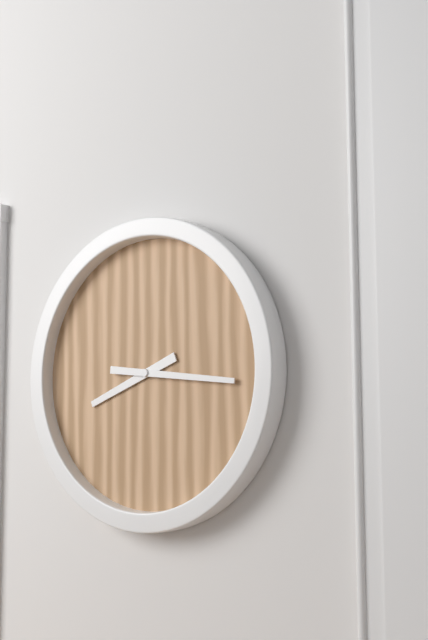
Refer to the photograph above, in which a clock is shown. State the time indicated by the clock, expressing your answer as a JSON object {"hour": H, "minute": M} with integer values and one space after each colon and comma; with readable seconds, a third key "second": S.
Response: {"hour": 8, "minute": 16}
